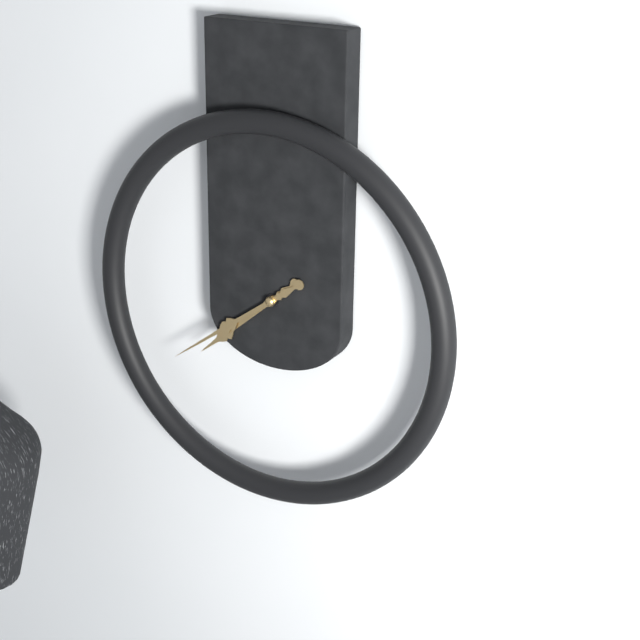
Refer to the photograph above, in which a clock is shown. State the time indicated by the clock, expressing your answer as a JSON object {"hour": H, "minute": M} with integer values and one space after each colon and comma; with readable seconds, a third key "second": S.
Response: {"hour": 7, "minute": 39}
